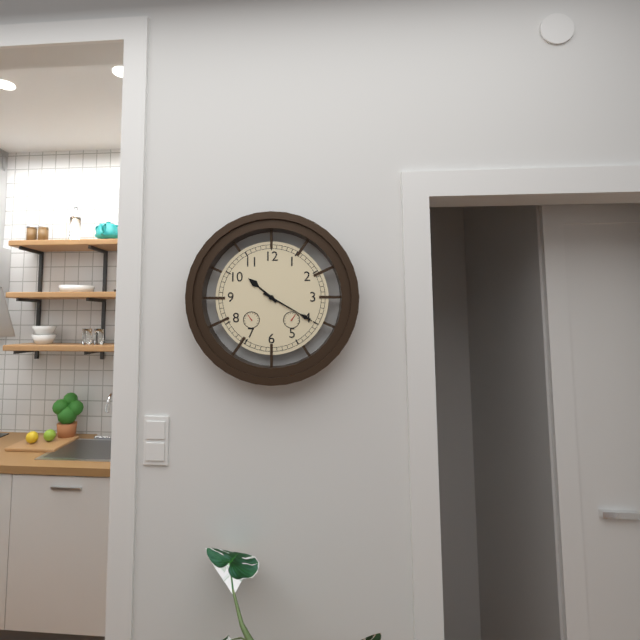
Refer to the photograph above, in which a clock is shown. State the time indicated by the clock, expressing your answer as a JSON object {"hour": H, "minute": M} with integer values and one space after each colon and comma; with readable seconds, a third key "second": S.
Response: {"hour": 10, "minute": 20}
